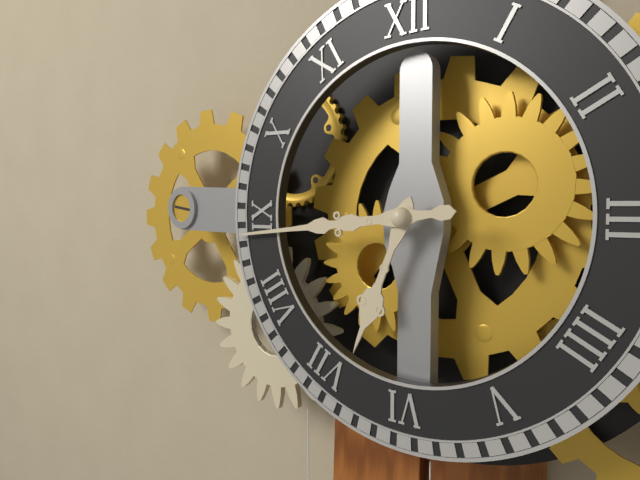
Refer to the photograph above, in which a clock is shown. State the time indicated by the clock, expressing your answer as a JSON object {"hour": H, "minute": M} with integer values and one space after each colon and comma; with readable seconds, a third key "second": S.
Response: {"hour": 6, "minute": 44}
